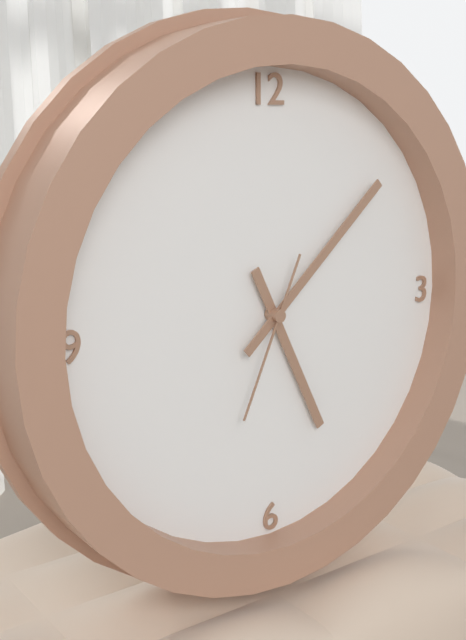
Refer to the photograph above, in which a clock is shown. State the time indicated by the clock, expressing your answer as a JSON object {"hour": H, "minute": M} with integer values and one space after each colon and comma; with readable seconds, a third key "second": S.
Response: {"hour": 5, "minute": 8, "second": 34}
